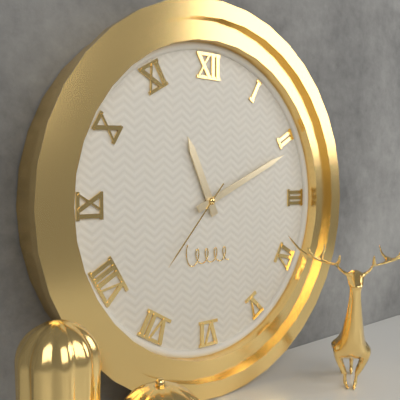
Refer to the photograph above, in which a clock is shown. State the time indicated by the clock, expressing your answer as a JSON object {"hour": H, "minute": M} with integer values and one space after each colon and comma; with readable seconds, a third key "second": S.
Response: {"hour": 11, "minute": 11, "second": 37}
